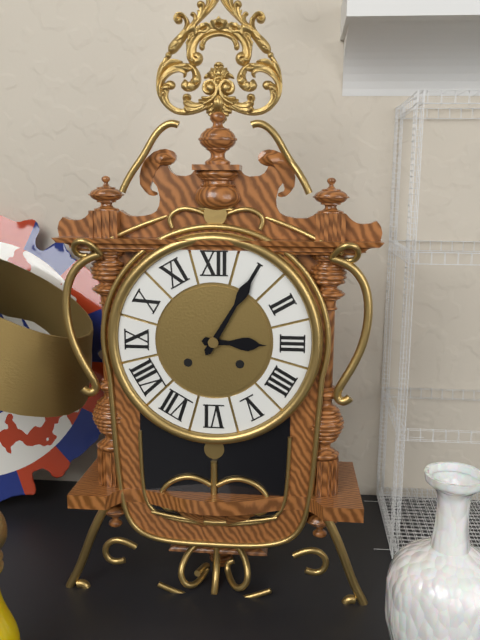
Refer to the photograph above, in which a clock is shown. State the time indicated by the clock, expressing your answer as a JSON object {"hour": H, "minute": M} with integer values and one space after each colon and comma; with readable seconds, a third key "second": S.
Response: {"hour": 3, "minute": 5}
